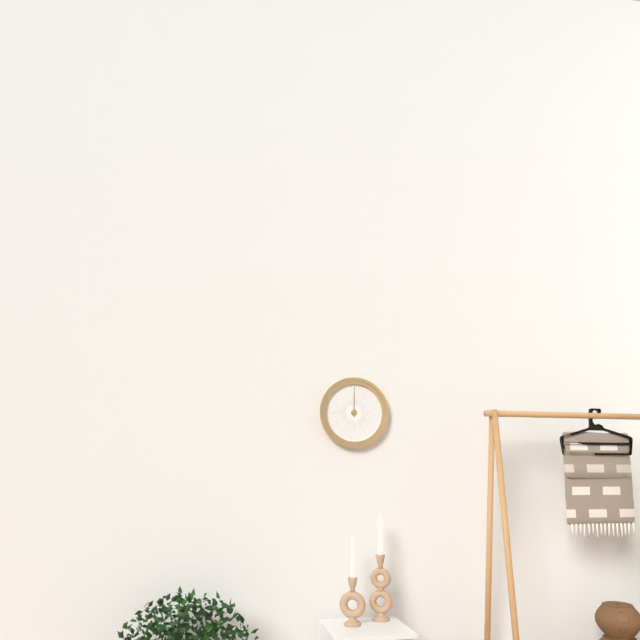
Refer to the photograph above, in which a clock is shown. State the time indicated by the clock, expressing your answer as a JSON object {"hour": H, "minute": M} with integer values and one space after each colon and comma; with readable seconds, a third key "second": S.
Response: {"hour": 12, "minute": 0}
